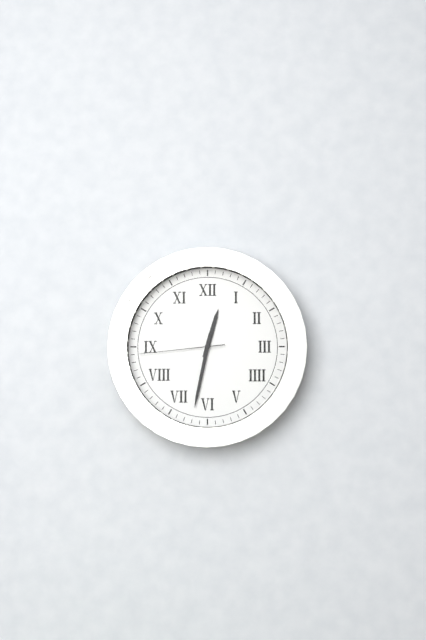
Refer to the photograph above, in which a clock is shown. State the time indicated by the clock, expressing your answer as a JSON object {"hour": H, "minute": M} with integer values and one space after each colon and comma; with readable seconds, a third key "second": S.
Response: {"hour": 12, "minute": 32, "second": 44}
